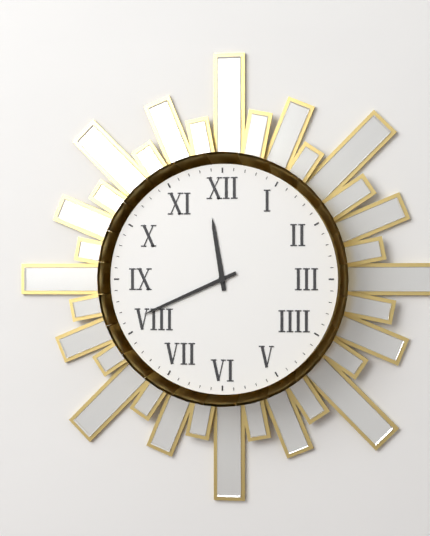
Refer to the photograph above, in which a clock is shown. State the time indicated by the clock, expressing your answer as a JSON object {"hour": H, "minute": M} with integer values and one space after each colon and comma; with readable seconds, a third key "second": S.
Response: {"hour": 11, "minute": 41}
